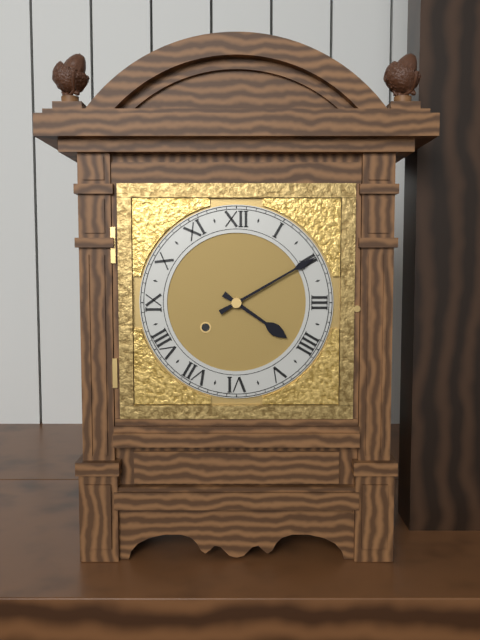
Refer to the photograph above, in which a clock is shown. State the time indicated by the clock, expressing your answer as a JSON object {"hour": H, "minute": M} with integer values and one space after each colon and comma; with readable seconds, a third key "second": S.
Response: {"hour": 4, "minute": 10}
